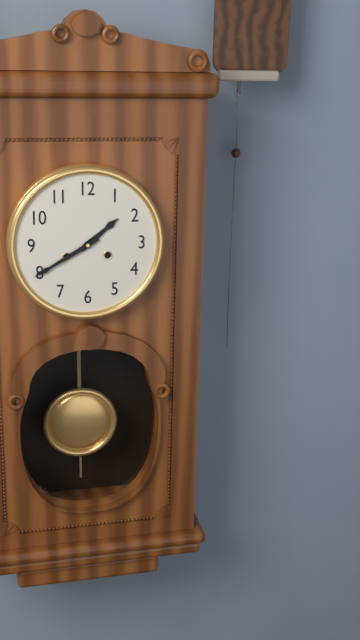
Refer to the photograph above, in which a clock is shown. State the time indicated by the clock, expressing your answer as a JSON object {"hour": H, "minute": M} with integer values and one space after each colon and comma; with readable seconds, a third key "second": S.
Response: {"hour": 1, "minute": 40}
